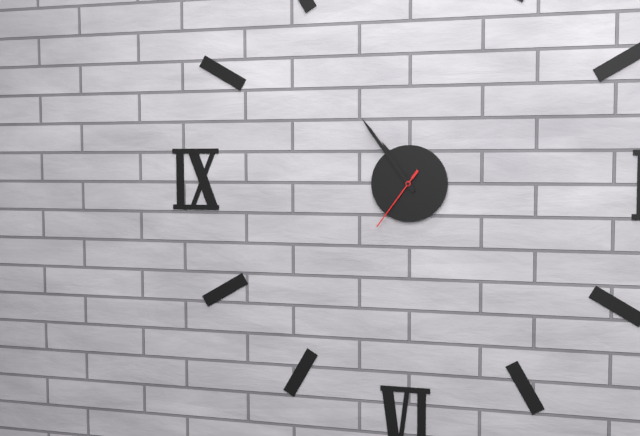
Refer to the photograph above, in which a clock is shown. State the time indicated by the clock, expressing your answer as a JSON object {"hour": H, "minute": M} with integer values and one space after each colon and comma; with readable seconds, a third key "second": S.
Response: {"hour": 10, "minute": 54, "second": 36}
